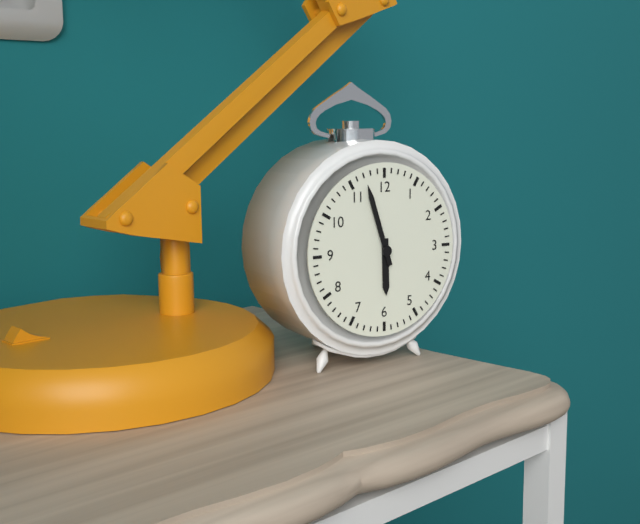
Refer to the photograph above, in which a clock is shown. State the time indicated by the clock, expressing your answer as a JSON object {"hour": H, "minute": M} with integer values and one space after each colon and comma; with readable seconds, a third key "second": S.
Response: {"hour": 5, "minute": 57}
